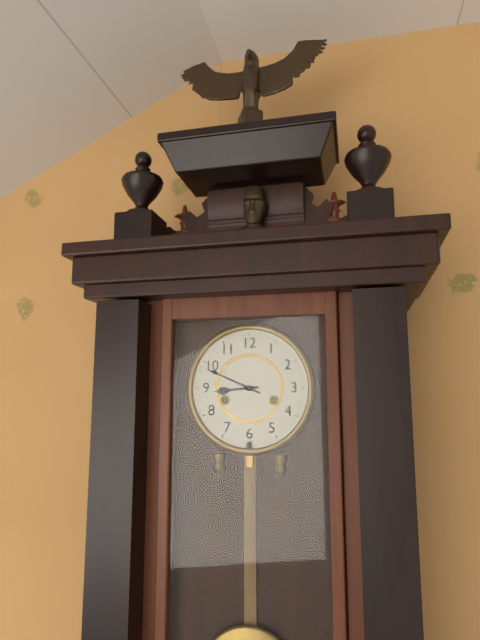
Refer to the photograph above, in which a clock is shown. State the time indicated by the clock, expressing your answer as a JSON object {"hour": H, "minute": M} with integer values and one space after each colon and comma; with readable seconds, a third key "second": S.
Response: {"hour": 8, "minute": 49}
